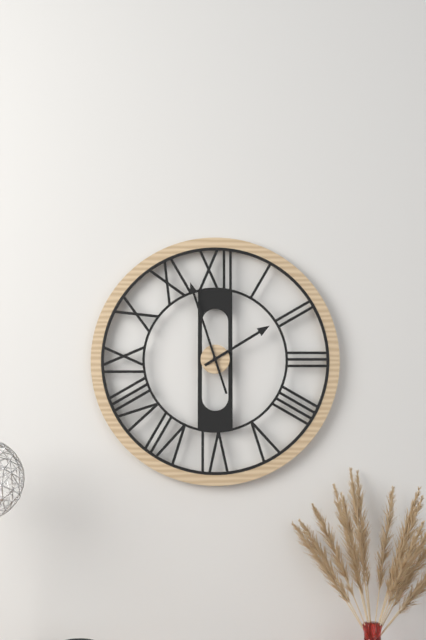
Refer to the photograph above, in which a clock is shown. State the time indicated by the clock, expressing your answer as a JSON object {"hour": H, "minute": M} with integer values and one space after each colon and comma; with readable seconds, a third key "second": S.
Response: {"hour": 1, "minute": 57}
